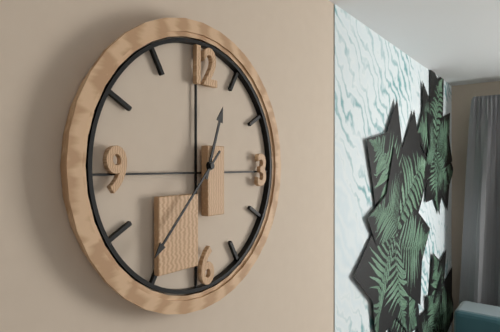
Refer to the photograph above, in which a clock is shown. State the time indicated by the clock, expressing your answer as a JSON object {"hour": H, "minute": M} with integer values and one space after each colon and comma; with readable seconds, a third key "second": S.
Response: {"hour": 12, "minute": 37}
